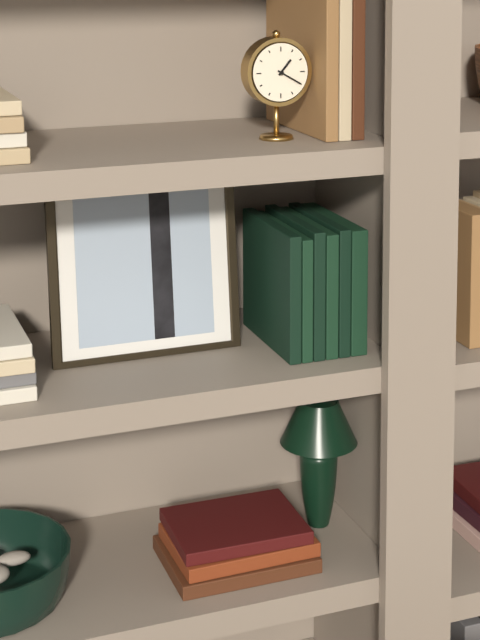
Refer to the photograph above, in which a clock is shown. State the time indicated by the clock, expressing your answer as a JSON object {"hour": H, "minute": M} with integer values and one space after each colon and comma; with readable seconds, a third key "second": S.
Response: {"hour": 1, "minute": 20}
